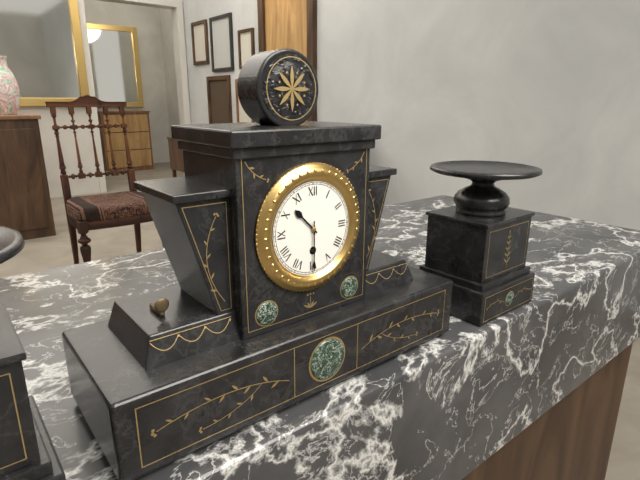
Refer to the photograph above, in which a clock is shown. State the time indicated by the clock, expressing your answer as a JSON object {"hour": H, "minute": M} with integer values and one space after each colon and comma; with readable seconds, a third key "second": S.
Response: {"hour": 10, "minute": 30}
